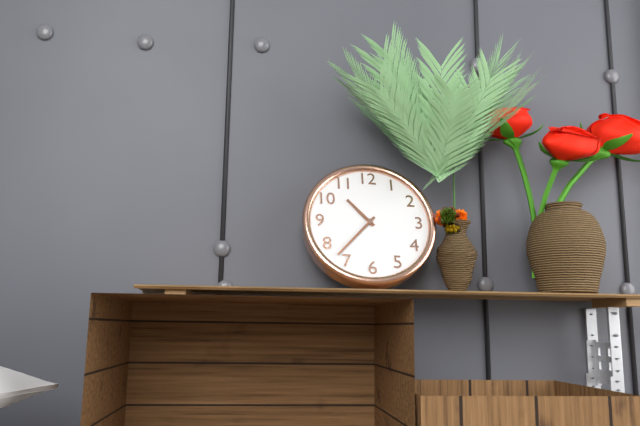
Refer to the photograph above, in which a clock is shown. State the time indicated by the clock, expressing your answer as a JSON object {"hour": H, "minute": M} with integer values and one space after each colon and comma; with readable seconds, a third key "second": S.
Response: {"hour": 10, "minute": 37}
